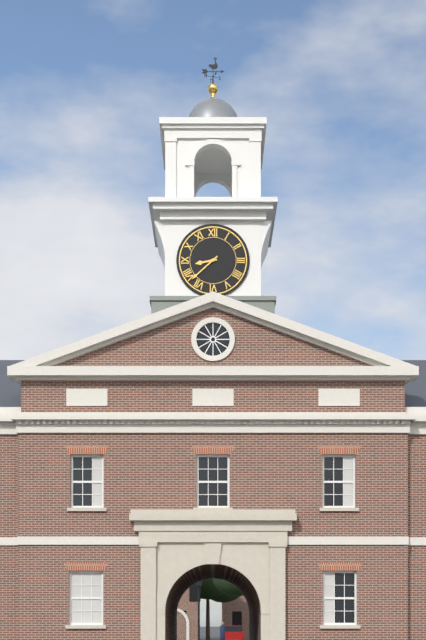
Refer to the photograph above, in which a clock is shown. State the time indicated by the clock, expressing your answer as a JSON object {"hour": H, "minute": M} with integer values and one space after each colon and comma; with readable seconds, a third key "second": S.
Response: {"hour": 8, "minute": 38}
